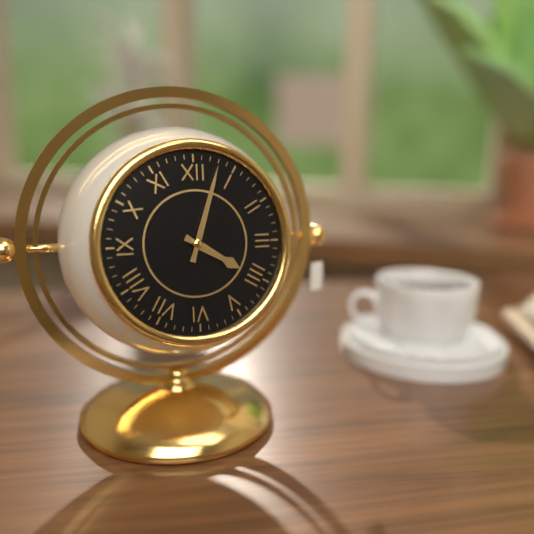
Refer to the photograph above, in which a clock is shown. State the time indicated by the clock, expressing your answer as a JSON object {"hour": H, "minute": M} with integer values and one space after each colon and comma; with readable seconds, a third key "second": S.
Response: {"hour": 4, "minute": 3}
